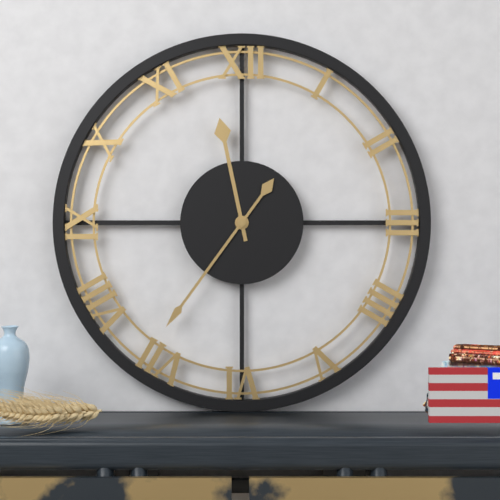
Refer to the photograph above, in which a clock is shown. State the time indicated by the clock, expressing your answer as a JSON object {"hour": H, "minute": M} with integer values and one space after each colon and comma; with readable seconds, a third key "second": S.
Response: {"hour": 11, "minute": 36}
